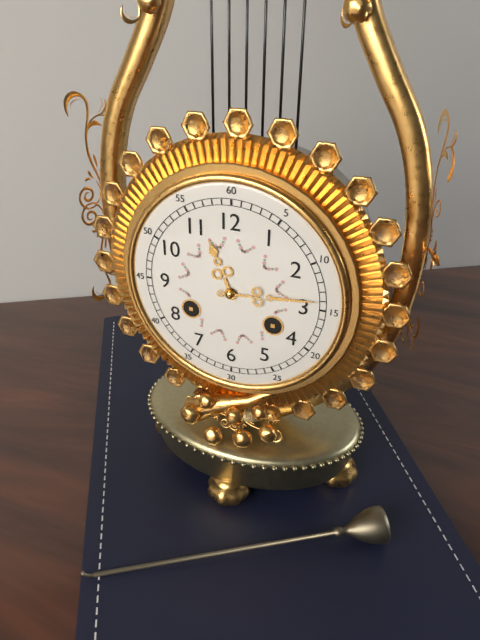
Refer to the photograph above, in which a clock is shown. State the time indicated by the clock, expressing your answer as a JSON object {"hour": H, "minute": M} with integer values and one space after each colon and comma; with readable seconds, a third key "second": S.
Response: {"hour": 11, "minute": 14}
